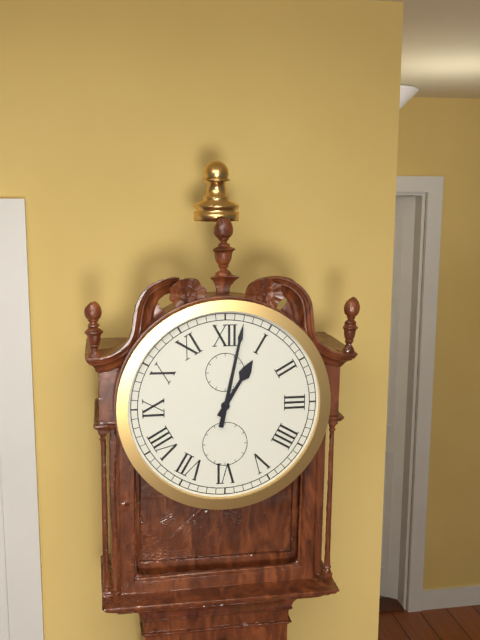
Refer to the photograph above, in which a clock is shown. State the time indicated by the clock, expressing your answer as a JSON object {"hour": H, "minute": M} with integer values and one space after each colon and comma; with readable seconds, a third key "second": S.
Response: {"hour": 1, "minute": 2}
